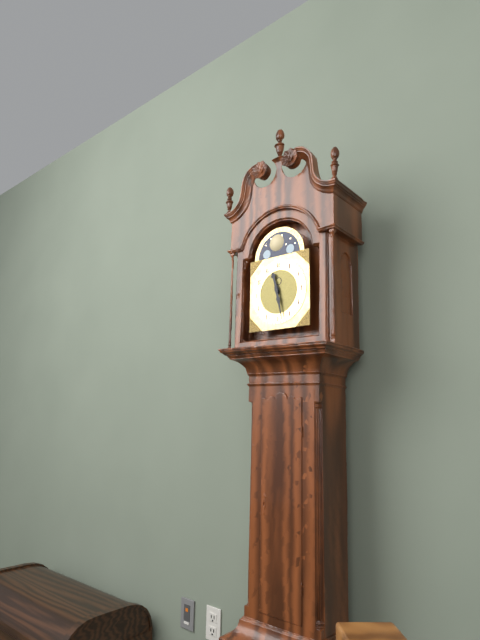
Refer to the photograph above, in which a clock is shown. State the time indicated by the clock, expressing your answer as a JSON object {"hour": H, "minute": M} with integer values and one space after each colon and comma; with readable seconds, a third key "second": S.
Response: {"hour": 11, "minute": 28}
